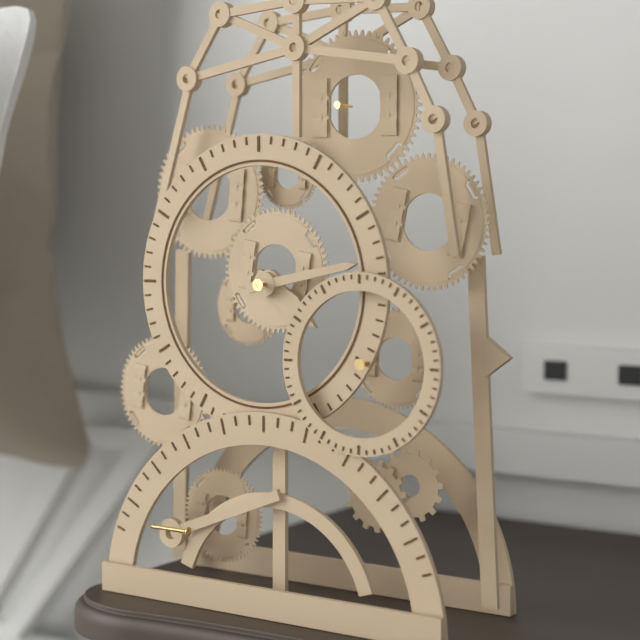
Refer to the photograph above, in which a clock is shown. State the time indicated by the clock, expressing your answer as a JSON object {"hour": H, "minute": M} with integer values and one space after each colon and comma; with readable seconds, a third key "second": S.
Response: {"hour": 4, "minute": 13}
